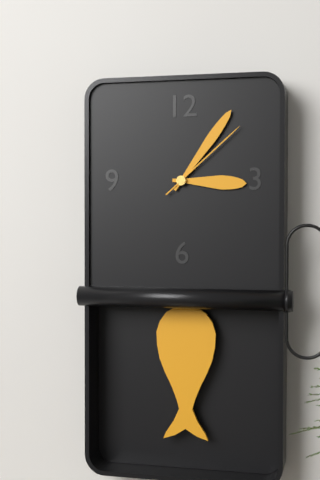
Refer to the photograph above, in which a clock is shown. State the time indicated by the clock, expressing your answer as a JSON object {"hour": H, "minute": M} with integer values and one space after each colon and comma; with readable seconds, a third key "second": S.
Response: {"hour": 3, "minute": 6, "second": 8}
